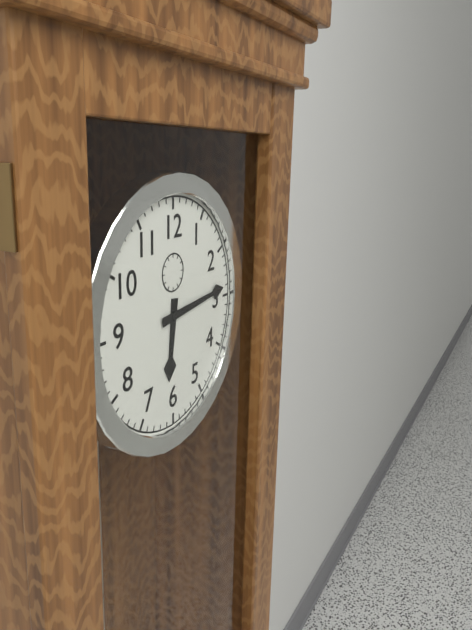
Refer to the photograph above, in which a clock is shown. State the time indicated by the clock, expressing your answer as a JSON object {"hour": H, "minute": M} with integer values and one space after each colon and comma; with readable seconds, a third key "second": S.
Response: {"hour": 6, "minute": 14}
